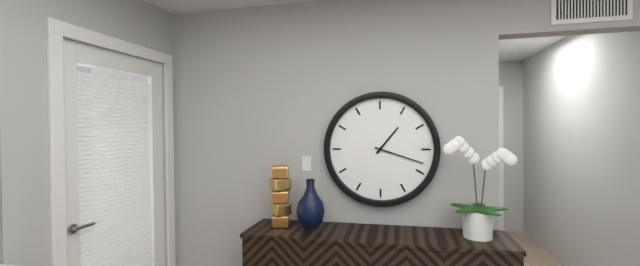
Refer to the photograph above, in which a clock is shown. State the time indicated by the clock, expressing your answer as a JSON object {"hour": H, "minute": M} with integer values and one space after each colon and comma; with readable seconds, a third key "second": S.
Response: {"hour": 1, "minute": 18}
